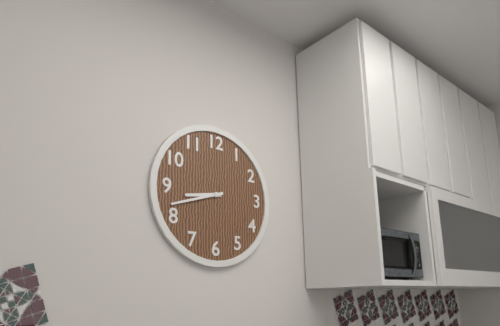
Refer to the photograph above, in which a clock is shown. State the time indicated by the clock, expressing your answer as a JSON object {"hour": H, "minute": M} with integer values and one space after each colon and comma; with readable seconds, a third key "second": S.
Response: {"hour": 8, "minute": 42}
